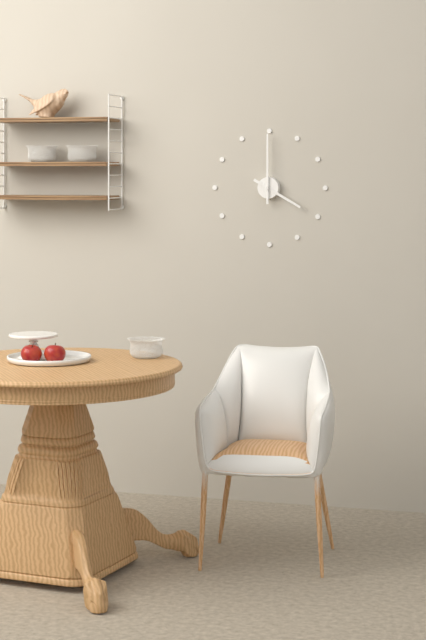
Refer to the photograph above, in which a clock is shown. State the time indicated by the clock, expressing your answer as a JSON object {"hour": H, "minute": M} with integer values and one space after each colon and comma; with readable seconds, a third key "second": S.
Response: {"hour": 4, "minute": 0}
